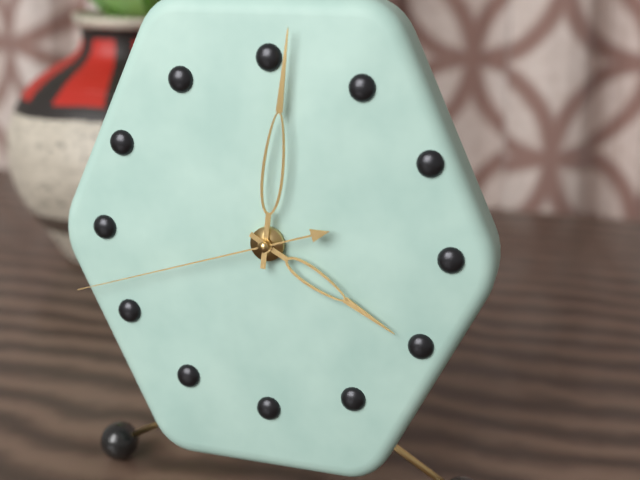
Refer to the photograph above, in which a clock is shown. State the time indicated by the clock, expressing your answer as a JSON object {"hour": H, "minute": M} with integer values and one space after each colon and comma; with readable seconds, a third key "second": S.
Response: {"hour": 4, "minute": 1, "second": 42}
